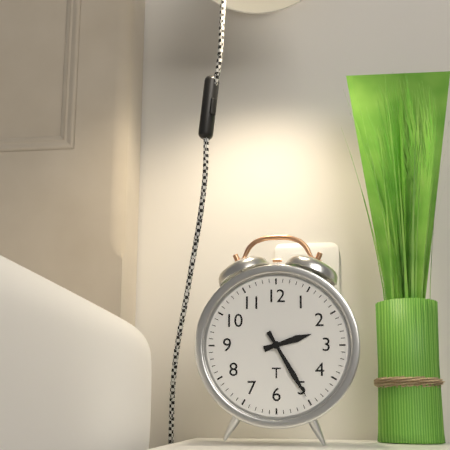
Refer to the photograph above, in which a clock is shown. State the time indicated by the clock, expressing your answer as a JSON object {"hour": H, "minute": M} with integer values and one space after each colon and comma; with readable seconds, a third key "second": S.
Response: {"hour": 2, "minute": 25}
